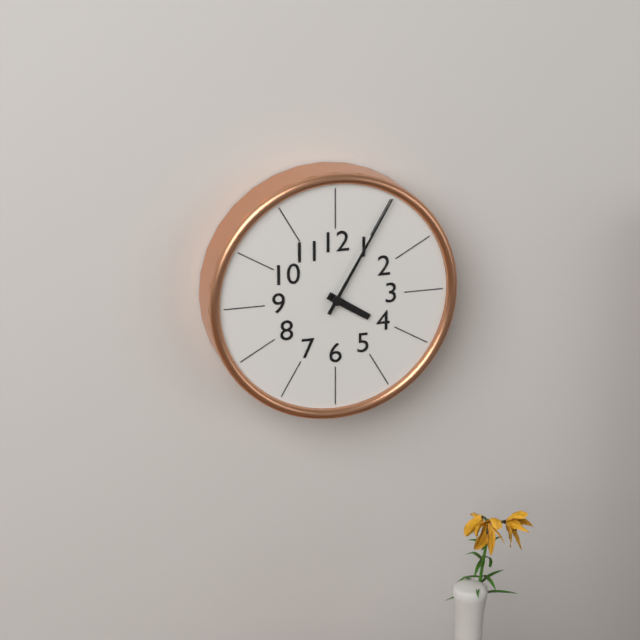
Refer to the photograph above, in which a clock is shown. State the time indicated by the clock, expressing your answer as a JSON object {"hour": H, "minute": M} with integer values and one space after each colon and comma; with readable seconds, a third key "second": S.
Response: {"hour": 4, "minute": 5}
